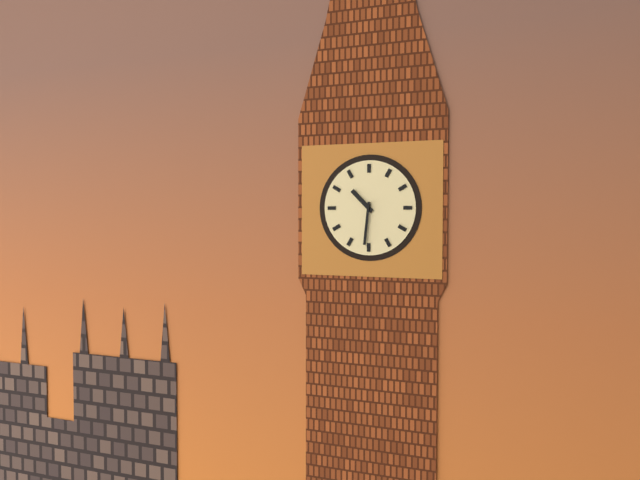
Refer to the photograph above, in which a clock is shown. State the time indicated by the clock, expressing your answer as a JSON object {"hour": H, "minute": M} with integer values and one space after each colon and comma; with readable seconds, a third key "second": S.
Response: {"hour": 10, "minute": 31}
